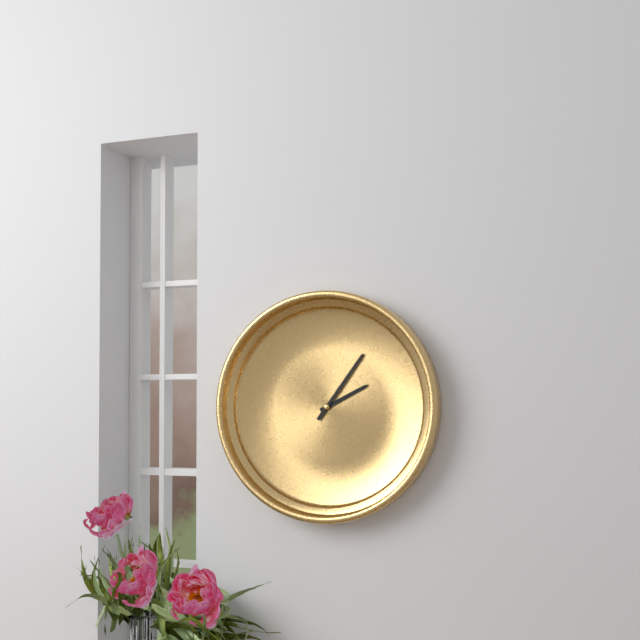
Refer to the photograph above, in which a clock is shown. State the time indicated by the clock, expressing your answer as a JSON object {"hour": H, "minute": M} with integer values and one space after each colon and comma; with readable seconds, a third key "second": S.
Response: {"hour": 2, "minute": 6}
